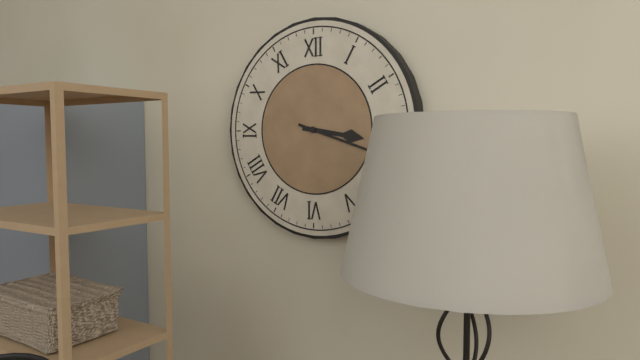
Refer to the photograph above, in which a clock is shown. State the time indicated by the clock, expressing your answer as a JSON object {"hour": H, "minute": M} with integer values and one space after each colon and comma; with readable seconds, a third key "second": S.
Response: {"hour": 3, "minute": 18}
